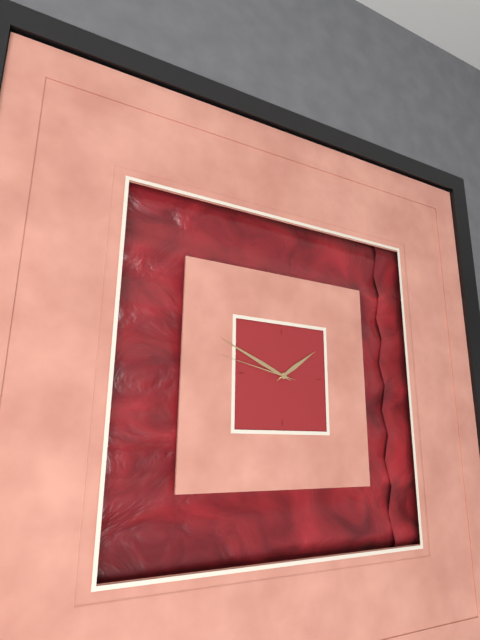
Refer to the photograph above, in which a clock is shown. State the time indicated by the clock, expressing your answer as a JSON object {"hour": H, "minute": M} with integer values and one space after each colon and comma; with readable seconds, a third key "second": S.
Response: {"hour": 1, "minute": 49, "second": 47}
